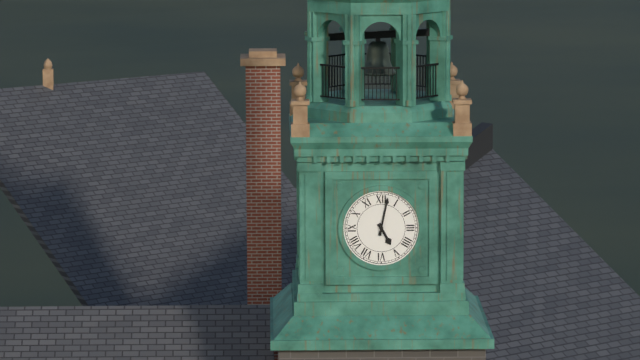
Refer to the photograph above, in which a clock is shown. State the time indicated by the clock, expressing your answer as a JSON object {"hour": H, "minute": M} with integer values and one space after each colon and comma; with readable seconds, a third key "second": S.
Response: {"hour": 5, "minute": 2}
